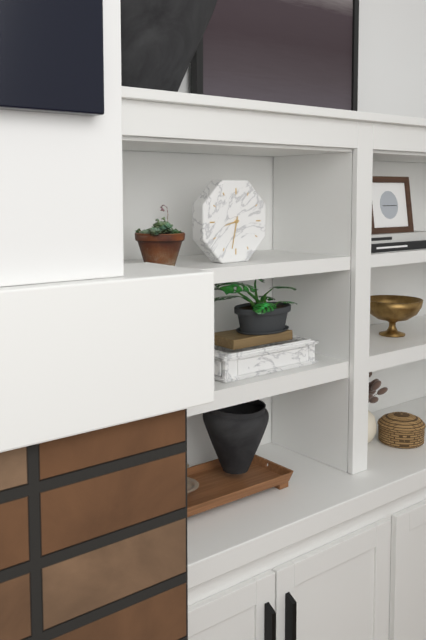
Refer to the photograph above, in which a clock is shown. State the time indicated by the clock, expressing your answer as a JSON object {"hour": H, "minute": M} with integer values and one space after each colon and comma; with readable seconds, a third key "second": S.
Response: {"hour": 8, "minute": 32}
